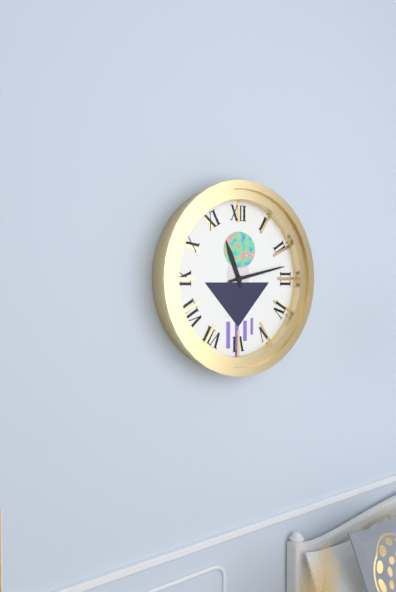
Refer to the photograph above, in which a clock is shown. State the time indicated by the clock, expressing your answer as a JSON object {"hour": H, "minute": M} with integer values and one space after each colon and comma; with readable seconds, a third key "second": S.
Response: {"hour": 11, "minute": 13}
